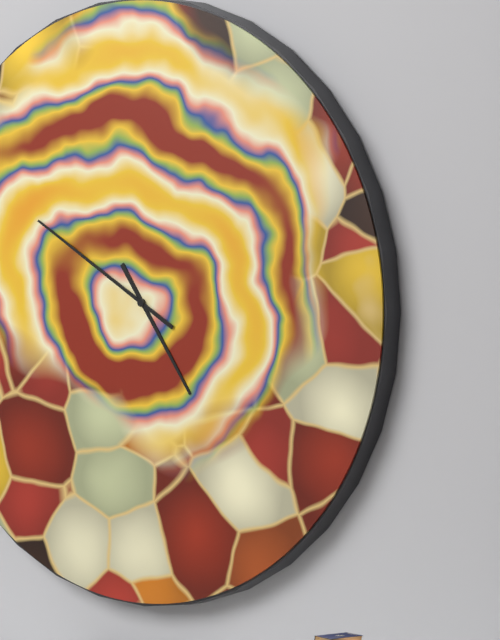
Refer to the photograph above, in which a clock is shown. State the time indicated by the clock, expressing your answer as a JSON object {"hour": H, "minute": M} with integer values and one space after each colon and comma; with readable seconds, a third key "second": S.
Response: {"hour": 4, "minute": 50}
